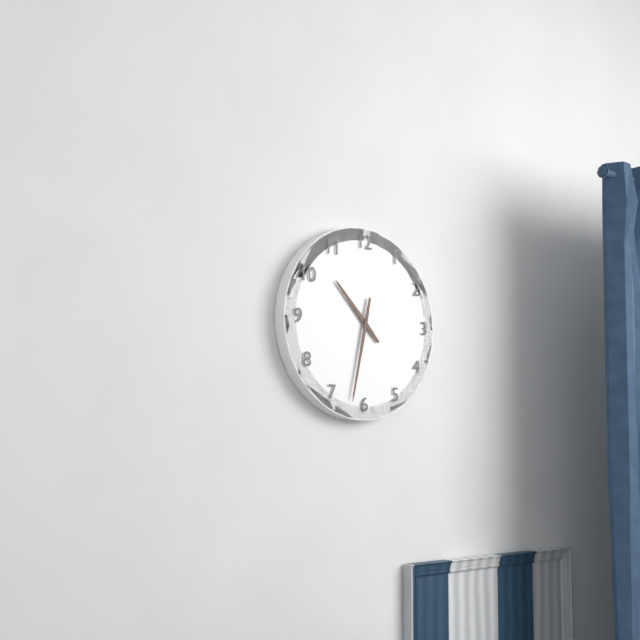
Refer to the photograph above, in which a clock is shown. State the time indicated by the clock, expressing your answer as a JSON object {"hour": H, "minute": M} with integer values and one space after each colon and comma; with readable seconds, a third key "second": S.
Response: {"hour": 10, "minute": 32}
